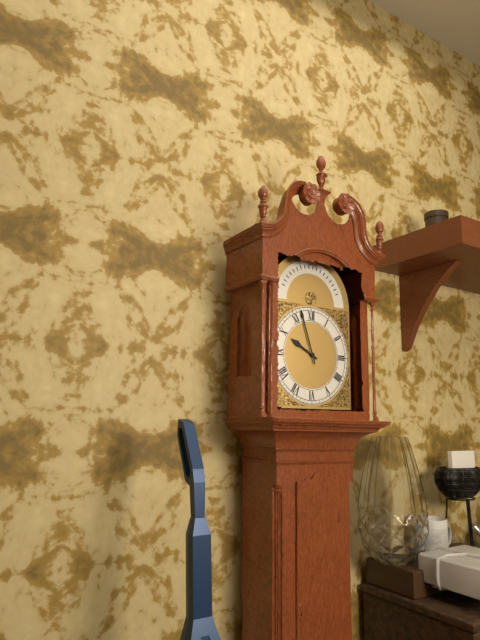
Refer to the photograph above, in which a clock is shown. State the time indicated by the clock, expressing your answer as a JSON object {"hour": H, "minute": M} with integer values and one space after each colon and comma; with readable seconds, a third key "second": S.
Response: {"hour": 9, "minute": 57}
